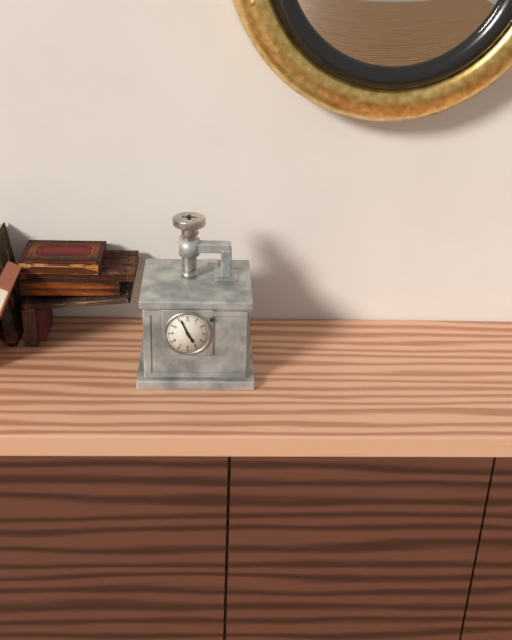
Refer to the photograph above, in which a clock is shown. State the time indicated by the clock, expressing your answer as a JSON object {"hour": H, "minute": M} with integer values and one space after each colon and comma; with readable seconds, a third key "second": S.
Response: {"hour": 4, "minute": 56}
